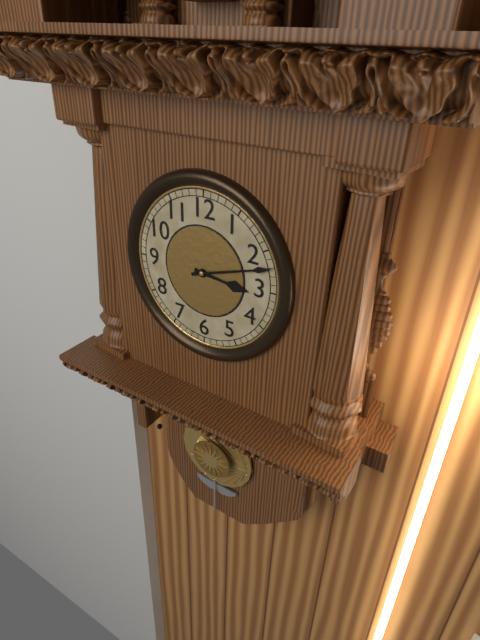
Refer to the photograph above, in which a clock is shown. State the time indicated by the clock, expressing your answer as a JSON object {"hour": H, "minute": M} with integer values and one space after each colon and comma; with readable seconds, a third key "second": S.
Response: {"hour": 3, "minute": 12}
